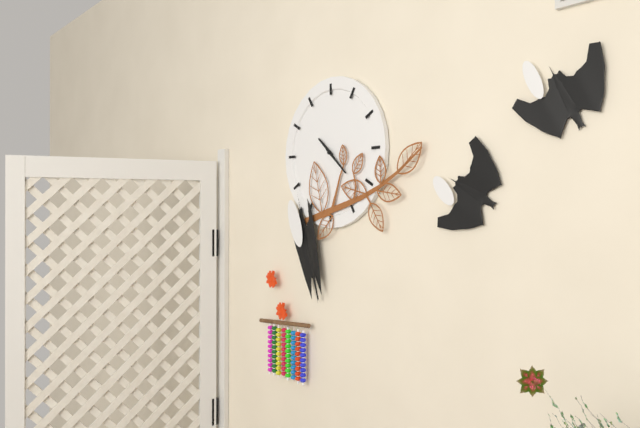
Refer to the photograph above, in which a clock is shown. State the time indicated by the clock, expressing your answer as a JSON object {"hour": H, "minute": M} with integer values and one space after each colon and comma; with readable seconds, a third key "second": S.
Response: {"hour": 10, "minute": 22}
